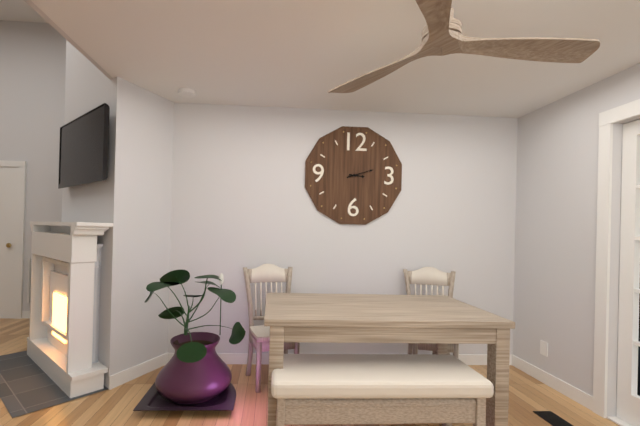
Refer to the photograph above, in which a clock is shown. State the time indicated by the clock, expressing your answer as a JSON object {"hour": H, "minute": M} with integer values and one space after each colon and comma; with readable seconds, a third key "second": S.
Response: {"hour": 3, "minute": 12}
